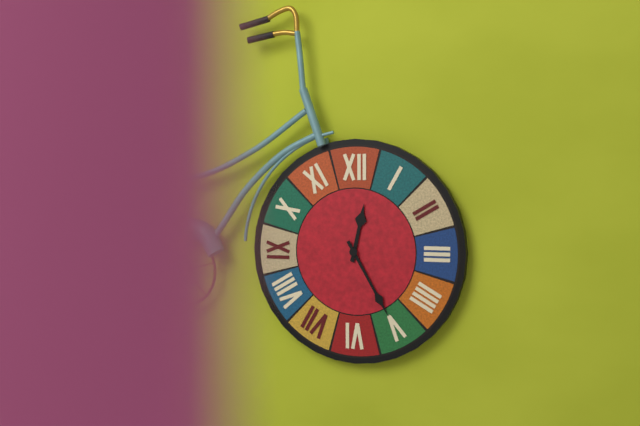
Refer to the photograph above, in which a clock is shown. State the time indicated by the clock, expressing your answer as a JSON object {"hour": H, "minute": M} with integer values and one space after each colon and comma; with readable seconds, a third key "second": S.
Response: {"hour": 12, "minute": 25}
